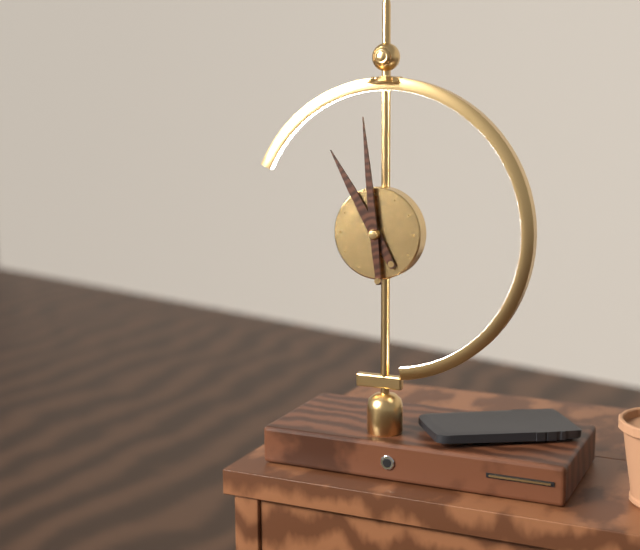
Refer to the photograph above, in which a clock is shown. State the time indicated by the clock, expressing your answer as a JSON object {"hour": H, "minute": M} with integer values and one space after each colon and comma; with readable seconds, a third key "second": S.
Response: {"hour": 10, "minute": 59}
